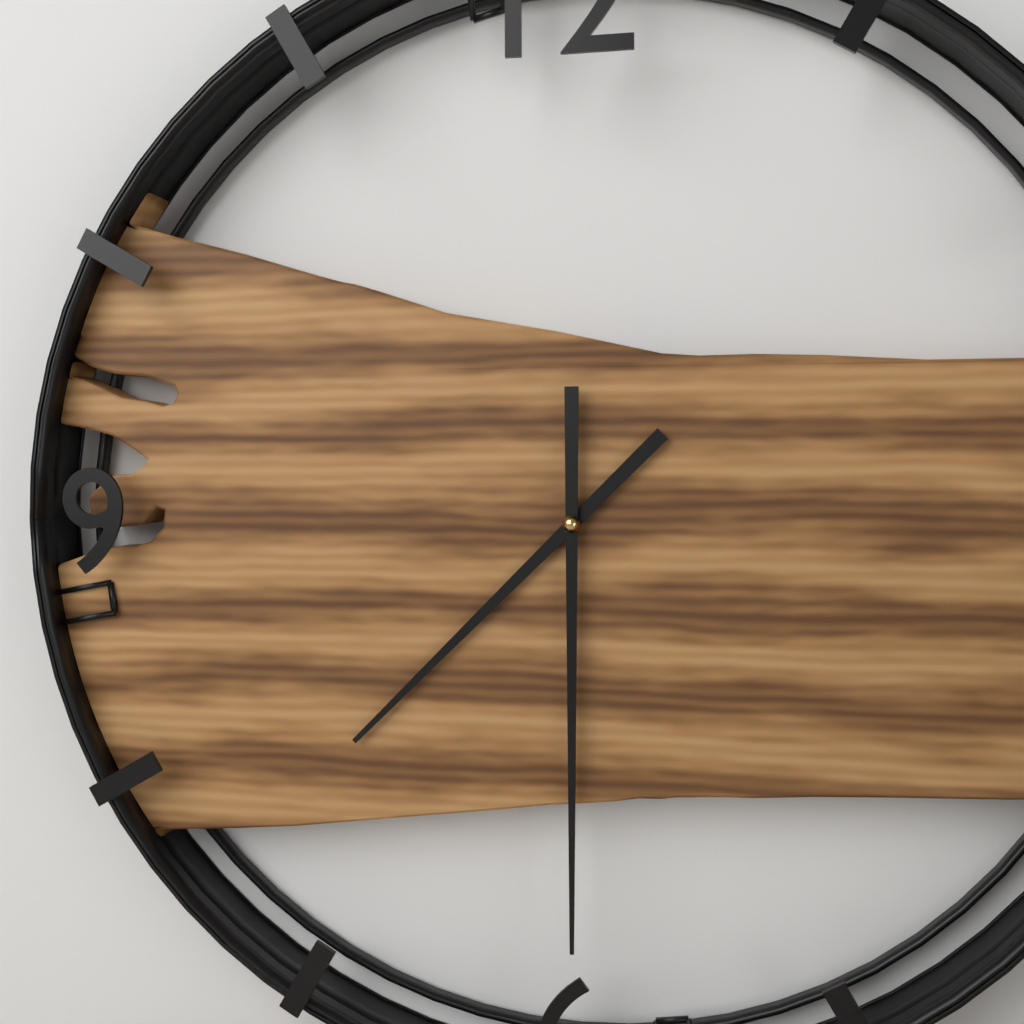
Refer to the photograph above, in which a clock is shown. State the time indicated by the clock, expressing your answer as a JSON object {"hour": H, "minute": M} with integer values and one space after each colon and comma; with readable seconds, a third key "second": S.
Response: {"hour": 7, "minute": 30}
